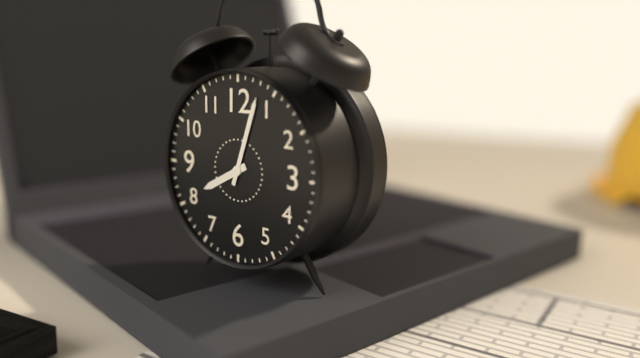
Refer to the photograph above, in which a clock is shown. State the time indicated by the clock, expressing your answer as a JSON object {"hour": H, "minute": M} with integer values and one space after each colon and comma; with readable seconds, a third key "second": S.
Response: {"hour": 8, "minute": 3}
